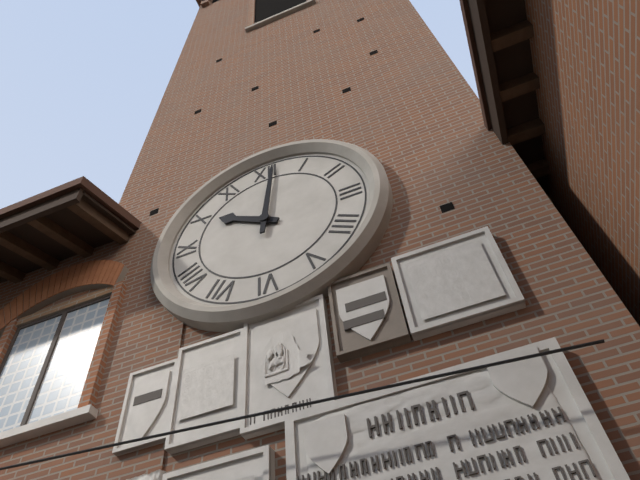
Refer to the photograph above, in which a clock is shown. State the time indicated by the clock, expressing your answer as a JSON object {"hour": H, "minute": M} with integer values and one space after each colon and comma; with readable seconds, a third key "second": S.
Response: {"hour": 10, "minute": 1}
